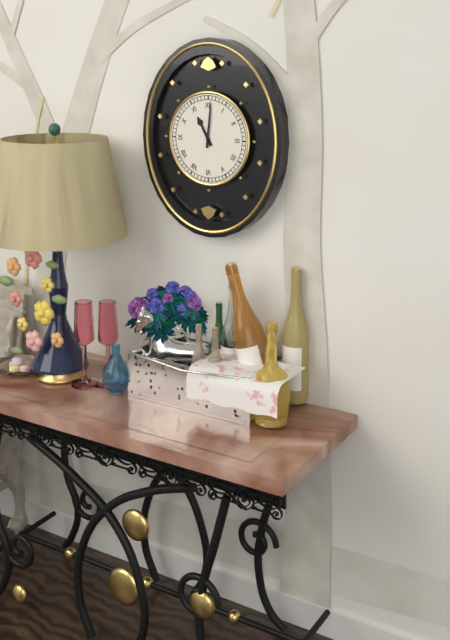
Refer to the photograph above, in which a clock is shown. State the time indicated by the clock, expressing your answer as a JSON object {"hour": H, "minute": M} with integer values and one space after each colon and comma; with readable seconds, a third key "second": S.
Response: {"hour": 11, "minute": 1}
